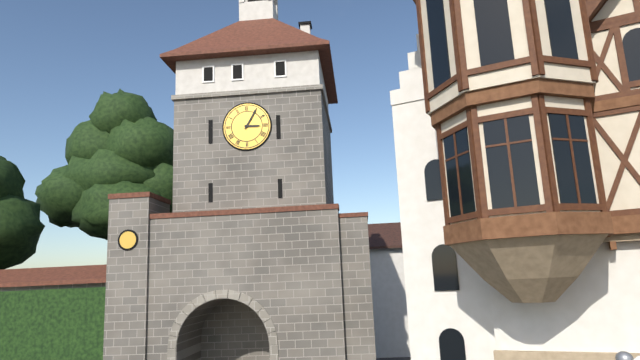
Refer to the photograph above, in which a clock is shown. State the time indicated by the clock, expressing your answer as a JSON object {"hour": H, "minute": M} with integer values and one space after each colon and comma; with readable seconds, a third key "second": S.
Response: {"hour": 3, "minute": 5}
